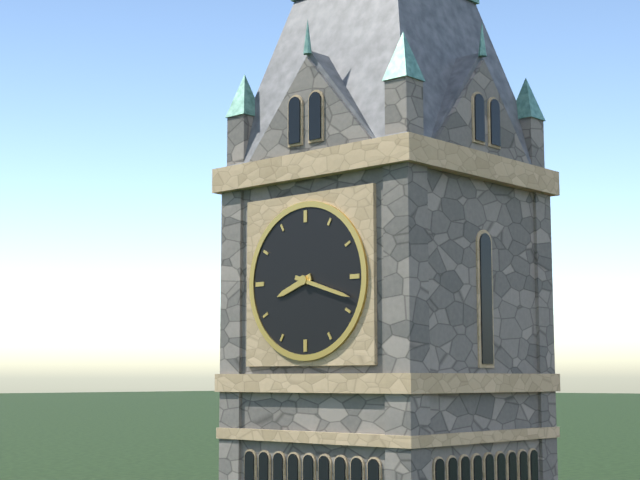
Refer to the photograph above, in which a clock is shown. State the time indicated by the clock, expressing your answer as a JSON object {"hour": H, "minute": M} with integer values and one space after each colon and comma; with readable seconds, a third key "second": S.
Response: {"hour": 8, "minute": 18}
